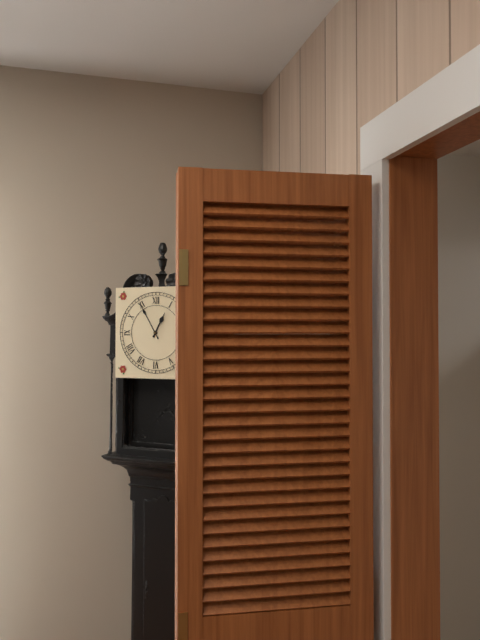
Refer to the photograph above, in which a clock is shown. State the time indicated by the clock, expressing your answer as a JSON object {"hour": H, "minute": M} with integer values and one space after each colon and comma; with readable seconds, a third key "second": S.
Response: {"hour": 12, "minute": 55}
